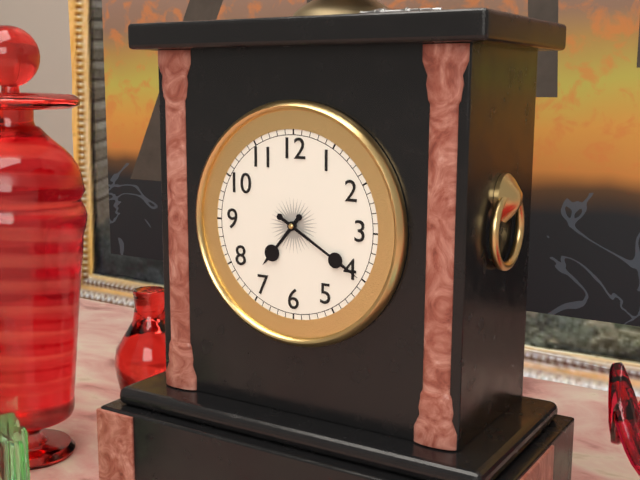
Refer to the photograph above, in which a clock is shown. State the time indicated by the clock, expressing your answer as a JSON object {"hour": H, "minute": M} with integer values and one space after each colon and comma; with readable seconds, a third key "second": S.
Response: {"hour": 7, "minute": 20}
